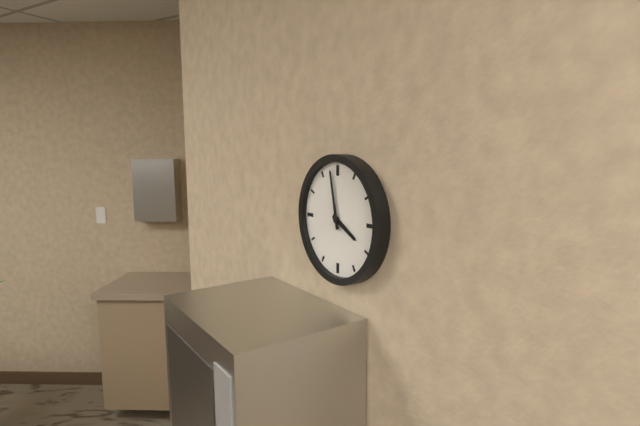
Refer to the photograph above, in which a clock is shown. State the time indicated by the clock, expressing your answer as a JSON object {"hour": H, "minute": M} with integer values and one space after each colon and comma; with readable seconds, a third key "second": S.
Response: {"hour": 3, "minute": 58}
